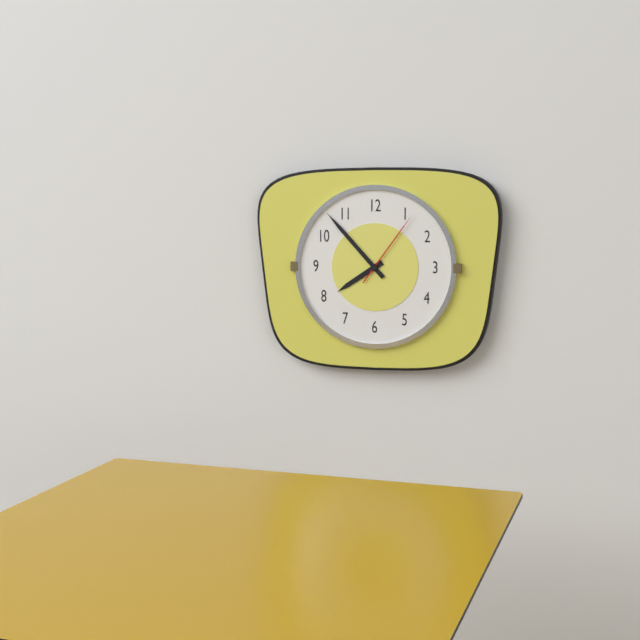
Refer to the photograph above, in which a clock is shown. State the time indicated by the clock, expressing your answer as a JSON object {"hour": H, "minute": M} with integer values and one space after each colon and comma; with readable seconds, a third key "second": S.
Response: {"hour": 7, "minute": 53, "second": 6}
